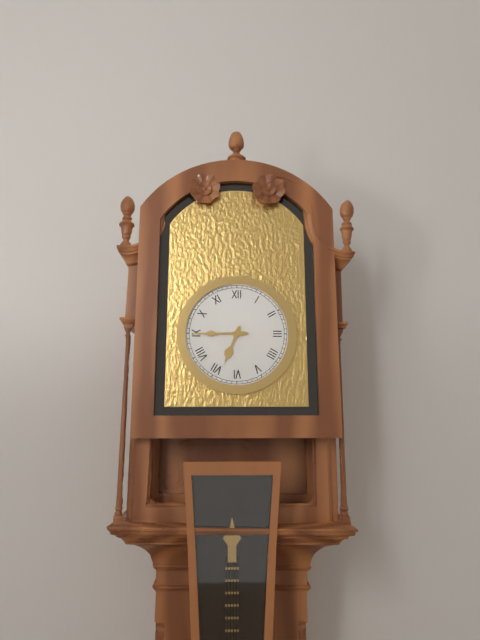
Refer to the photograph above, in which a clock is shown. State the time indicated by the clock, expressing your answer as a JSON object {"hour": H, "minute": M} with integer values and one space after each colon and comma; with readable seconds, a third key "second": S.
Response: {"hour": 6, "minute": 45}
